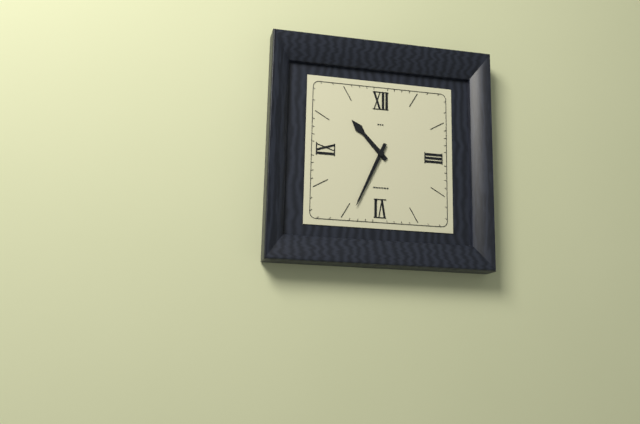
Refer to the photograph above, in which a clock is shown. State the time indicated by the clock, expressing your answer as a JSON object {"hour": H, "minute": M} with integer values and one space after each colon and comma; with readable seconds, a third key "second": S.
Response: {"hour": 10, "minute": 34}
